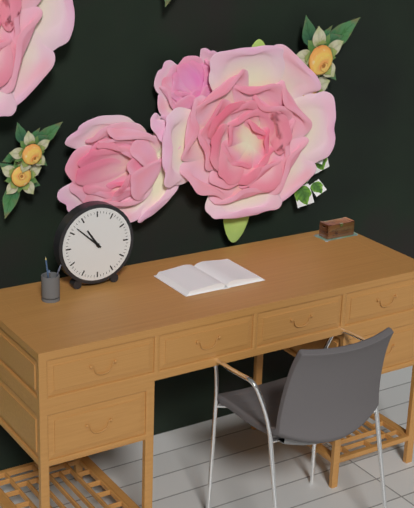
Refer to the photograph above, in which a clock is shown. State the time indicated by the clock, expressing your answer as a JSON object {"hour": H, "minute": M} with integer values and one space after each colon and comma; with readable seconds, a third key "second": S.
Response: {"hour": 10, "minute": 52}
